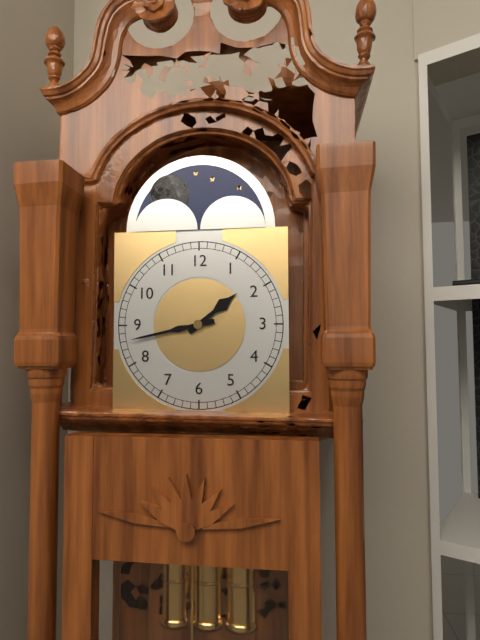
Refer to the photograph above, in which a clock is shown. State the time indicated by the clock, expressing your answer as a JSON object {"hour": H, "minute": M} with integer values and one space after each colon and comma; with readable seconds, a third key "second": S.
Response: {"hour": 1, "minute": 43}
